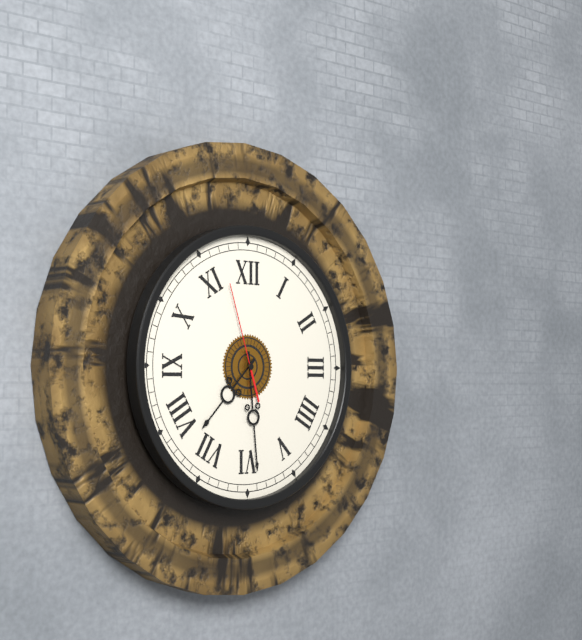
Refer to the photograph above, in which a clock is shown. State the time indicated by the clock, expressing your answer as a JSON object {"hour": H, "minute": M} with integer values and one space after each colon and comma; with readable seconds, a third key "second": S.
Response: {"hour": 7, "minute": 29, "second": 57}
